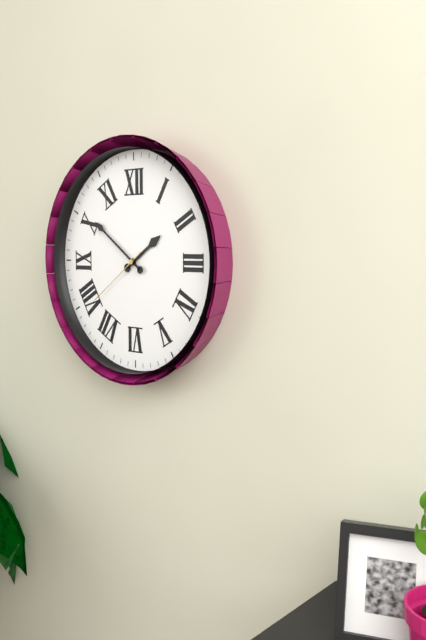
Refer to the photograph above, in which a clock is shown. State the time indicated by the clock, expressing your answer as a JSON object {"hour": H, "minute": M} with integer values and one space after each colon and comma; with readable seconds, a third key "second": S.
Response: {"hour": 1, "minute": 51, "second": 39}
